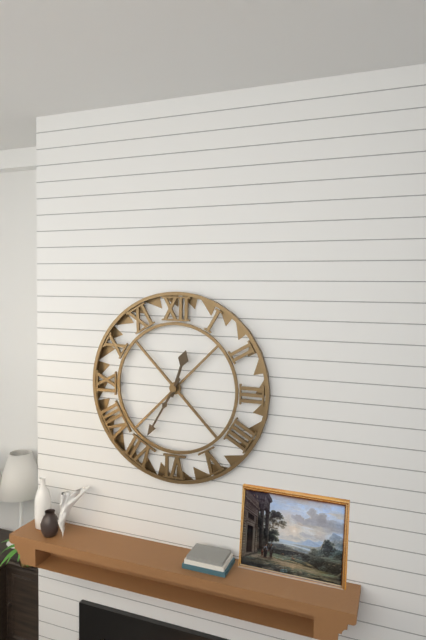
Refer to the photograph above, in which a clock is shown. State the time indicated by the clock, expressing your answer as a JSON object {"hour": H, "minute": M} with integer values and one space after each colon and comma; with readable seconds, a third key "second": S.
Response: {"hour": 12, "minute": 35}
